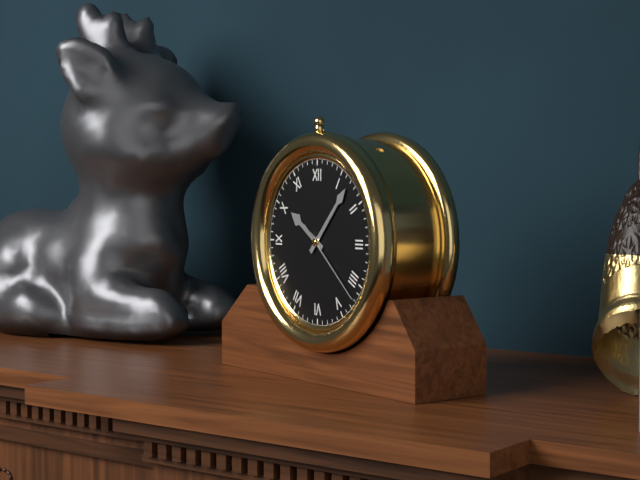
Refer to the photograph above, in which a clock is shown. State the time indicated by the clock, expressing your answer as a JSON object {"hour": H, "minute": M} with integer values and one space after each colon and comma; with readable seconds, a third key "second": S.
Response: {"hour": 10, "minute": 7, "second": 22}
